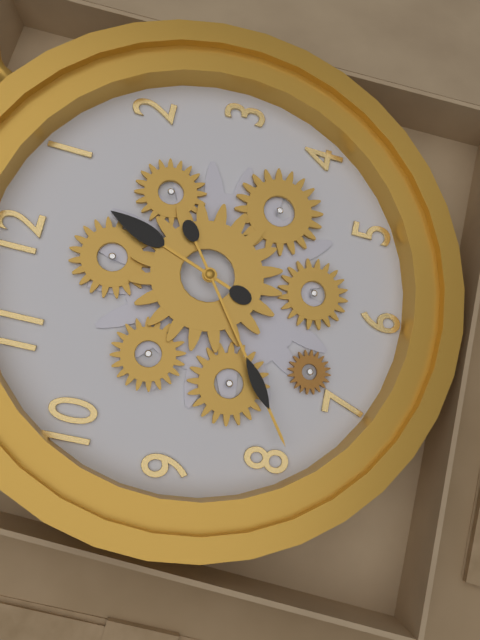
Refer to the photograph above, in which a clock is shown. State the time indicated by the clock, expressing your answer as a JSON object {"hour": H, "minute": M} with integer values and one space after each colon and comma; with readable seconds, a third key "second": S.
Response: {"hour": 12, "minute": 39}
